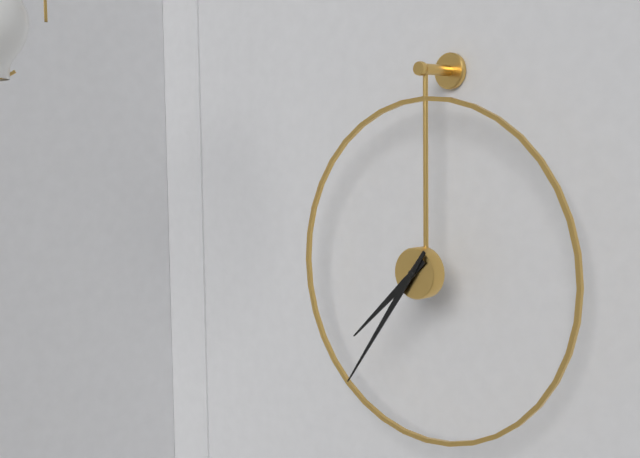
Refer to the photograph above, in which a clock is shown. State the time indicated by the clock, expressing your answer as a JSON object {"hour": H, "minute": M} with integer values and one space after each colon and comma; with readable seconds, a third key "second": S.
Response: {"hour": 7, "minute": 36}
